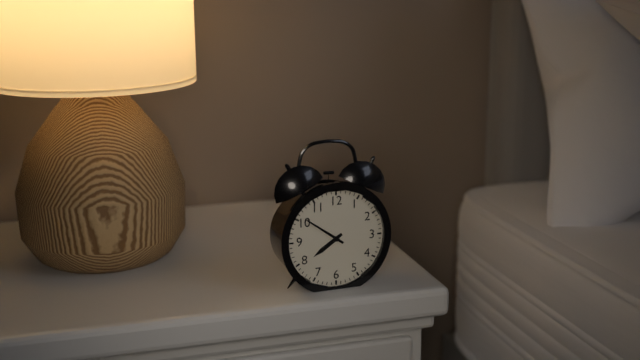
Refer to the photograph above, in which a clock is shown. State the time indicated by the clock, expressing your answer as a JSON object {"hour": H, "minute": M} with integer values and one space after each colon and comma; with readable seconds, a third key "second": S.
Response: {"hour": 7, "minute": 51}
